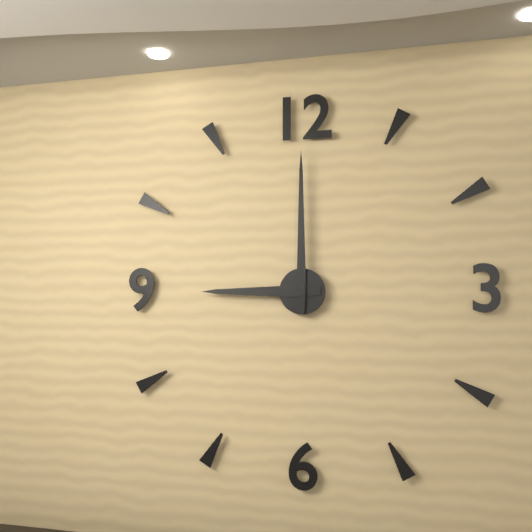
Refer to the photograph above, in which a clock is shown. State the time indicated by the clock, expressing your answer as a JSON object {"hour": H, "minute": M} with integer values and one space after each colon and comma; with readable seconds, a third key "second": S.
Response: {"hour": 9, "minute": 0}
